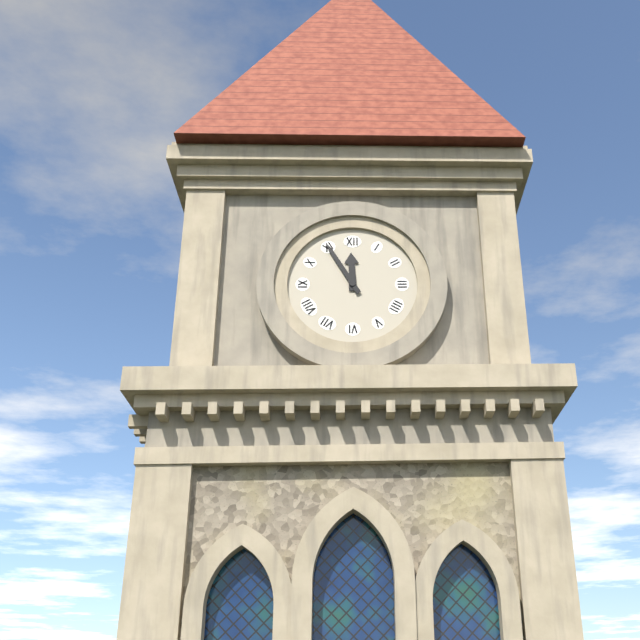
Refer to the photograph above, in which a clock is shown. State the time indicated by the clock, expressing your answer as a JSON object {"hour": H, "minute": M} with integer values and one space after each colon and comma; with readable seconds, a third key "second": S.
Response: {"hour": 11, "minute": 55}
